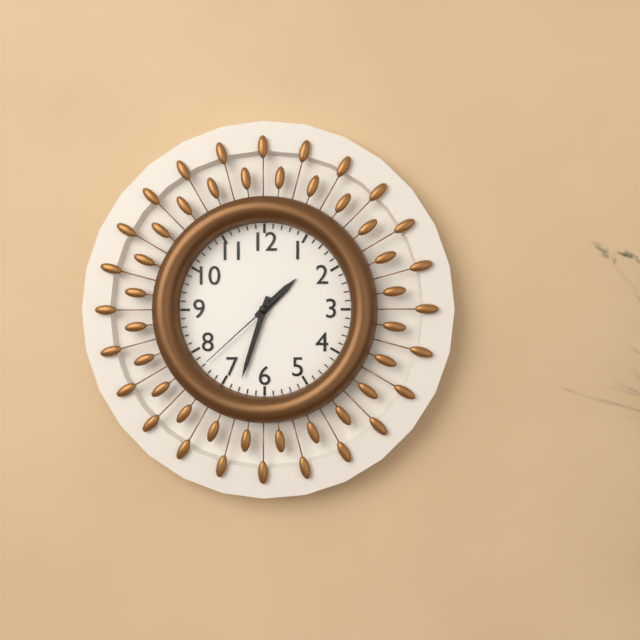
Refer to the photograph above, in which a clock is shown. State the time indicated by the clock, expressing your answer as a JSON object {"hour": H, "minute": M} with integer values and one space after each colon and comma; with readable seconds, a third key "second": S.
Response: {"hour": 1, "minute": 33, "second": 38}
